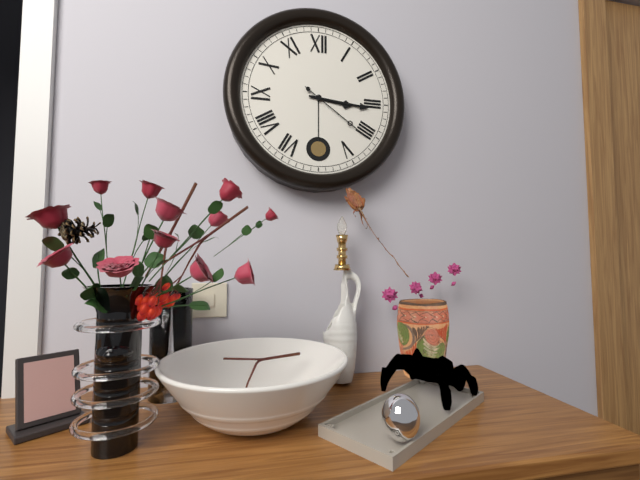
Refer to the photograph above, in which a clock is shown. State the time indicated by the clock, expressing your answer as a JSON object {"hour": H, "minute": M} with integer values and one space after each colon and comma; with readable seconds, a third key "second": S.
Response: {"hour": 3, "minute": 16, "second": 21}
